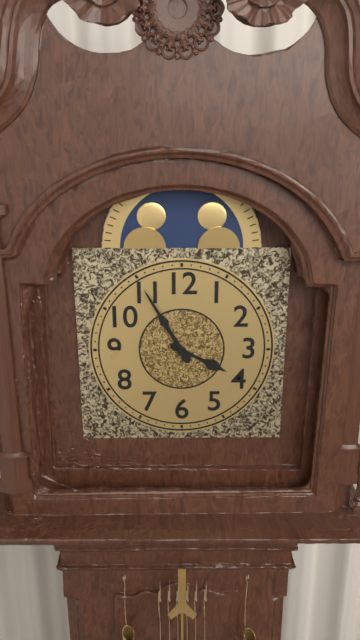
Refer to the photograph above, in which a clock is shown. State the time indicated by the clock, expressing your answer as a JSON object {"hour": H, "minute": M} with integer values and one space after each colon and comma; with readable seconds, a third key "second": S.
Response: {"hour": 3, "minute": 55}
